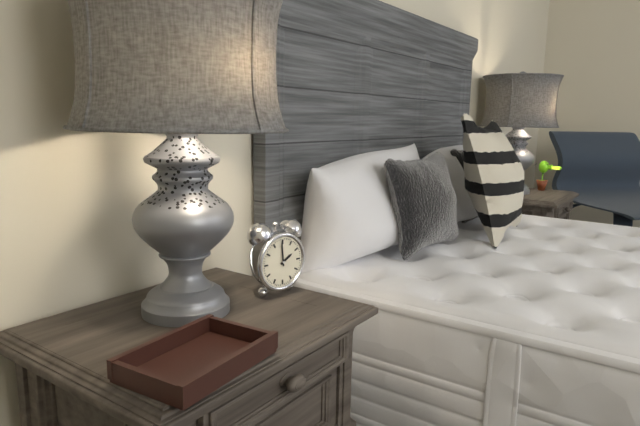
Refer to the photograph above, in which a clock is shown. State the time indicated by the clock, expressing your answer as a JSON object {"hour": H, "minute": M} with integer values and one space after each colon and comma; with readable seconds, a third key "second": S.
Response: {"hour": 1, "minute": 59}
